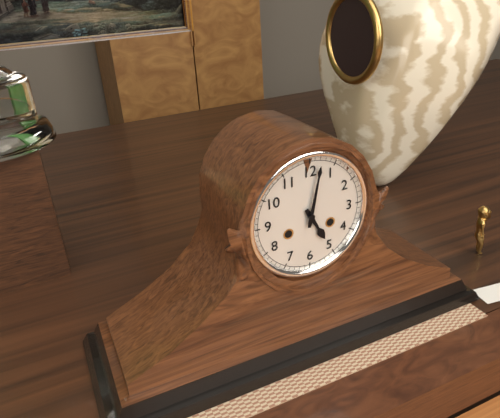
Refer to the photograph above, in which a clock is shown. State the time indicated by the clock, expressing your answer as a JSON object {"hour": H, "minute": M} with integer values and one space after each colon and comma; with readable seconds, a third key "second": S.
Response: {"hour": 5, "minute": 2}
